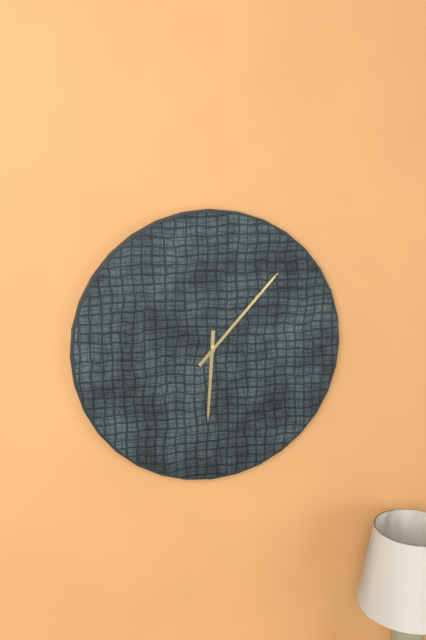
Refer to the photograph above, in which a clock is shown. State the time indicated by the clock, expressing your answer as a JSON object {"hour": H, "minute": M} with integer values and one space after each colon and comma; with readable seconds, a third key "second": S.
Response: {"hour": 6, "minute": 7}
